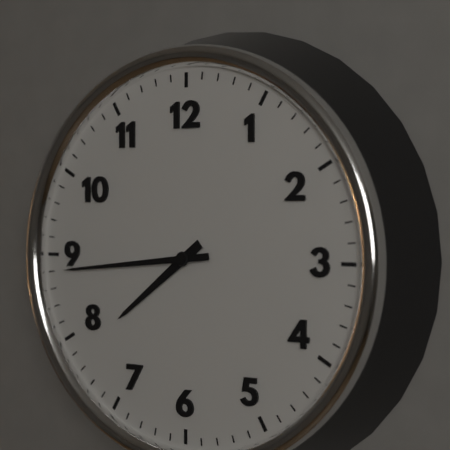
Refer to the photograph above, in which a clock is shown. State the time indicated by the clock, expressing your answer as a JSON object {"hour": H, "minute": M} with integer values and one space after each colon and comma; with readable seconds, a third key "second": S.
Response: {"hour": 7, "minute": 44}
